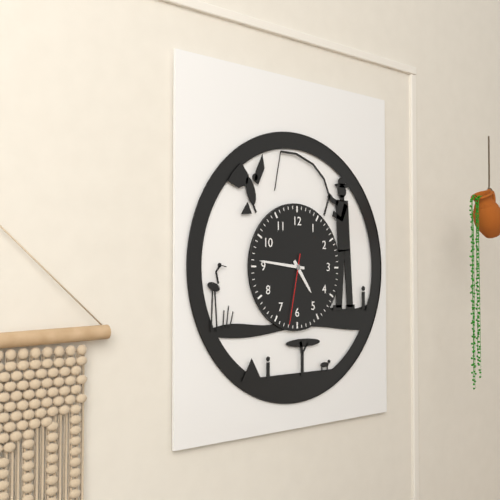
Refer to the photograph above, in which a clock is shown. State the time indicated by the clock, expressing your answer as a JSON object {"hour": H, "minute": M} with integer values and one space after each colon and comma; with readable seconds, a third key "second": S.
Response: {"hour": 4, "minute": 46, "second": 32}
